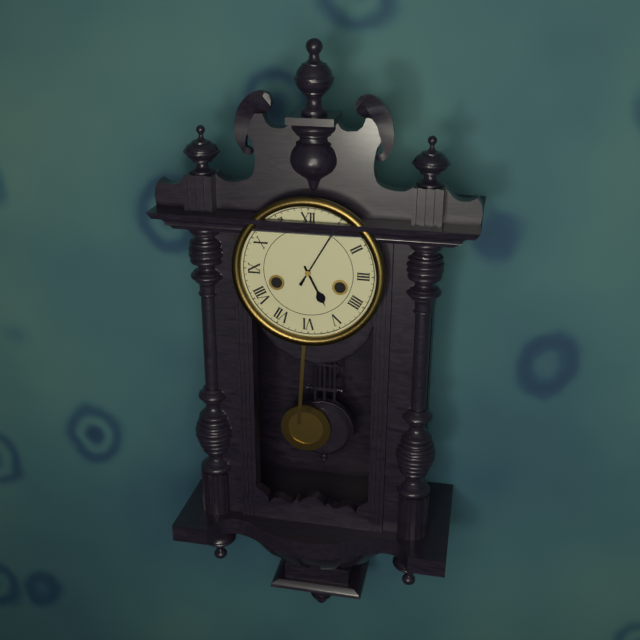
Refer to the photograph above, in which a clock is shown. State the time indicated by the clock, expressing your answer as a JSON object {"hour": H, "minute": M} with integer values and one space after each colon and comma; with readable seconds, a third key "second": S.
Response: {"hour": 5, "minute": 5}
